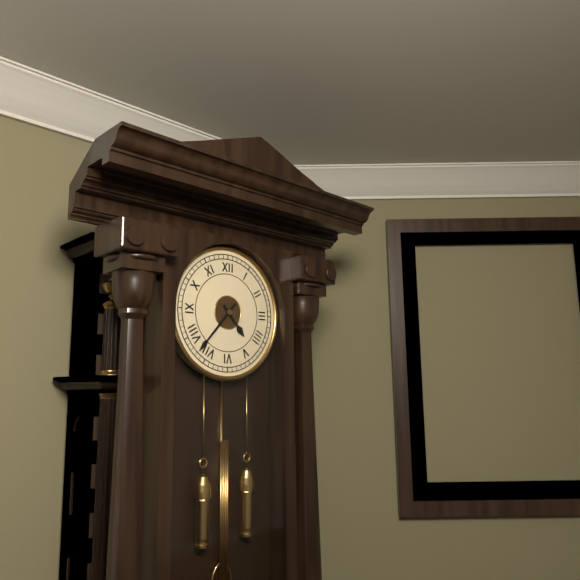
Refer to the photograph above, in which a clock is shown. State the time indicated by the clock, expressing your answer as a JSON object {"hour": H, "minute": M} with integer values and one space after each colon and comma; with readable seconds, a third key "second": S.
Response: {"hour": 4, "minute": 37}
